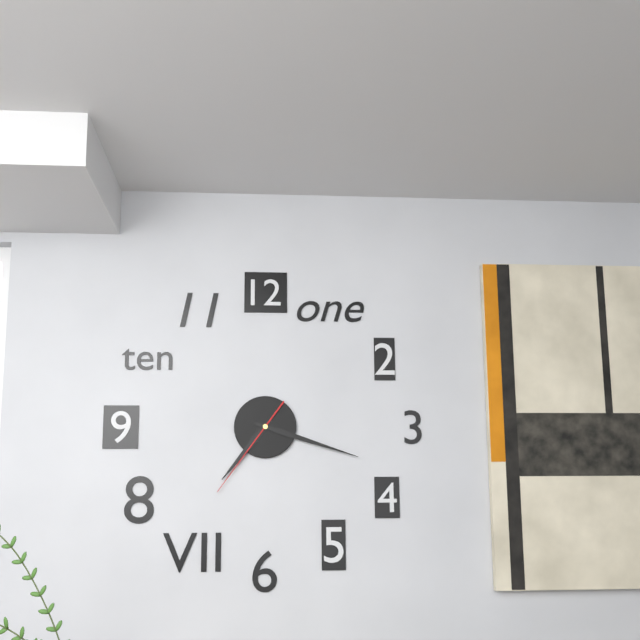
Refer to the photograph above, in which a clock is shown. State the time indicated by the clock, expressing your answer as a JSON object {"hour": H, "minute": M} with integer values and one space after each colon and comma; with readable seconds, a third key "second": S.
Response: {"hour": 7, "minute": 18, "second": 36}
